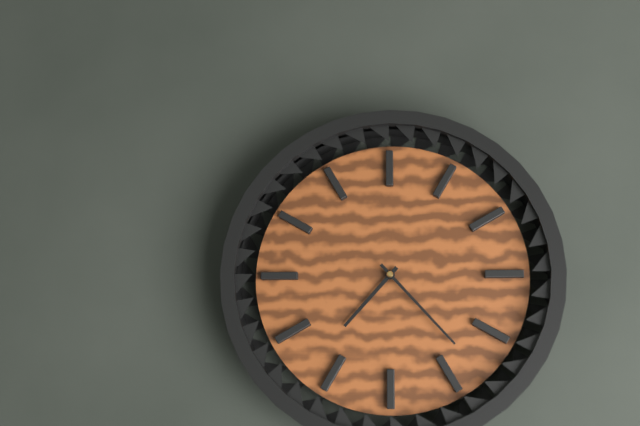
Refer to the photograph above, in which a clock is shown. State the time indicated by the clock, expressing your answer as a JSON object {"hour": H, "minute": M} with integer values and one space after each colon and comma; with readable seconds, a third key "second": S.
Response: {"hour": 7, "minute": 23}
